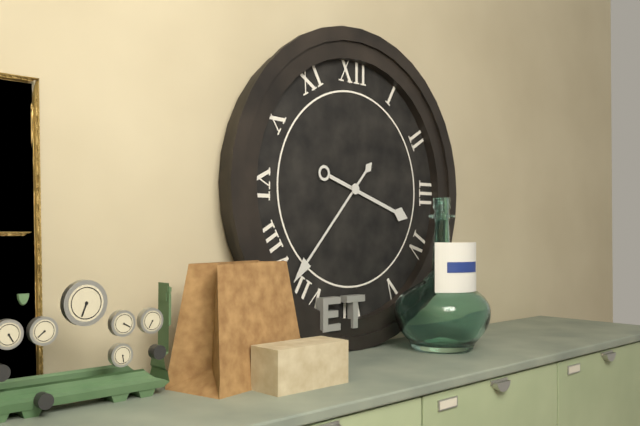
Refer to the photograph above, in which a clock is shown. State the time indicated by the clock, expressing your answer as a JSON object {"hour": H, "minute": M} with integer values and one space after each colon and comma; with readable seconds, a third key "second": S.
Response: {"hour": 3, "minute": 37}
